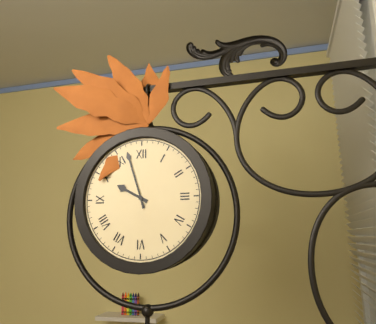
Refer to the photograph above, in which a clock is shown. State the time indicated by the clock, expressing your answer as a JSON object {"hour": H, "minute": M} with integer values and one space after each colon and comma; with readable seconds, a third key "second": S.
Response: {"hour": 9, "minute": 57}
